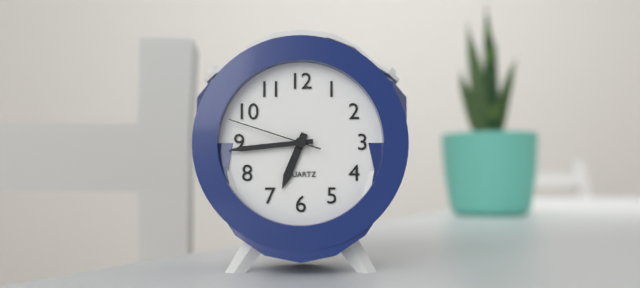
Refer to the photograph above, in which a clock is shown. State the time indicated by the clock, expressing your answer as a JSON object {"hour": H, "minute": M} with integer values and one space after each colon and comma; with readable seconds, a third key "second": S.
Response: {"hour": 6, "minute": 44, "second": 48}
